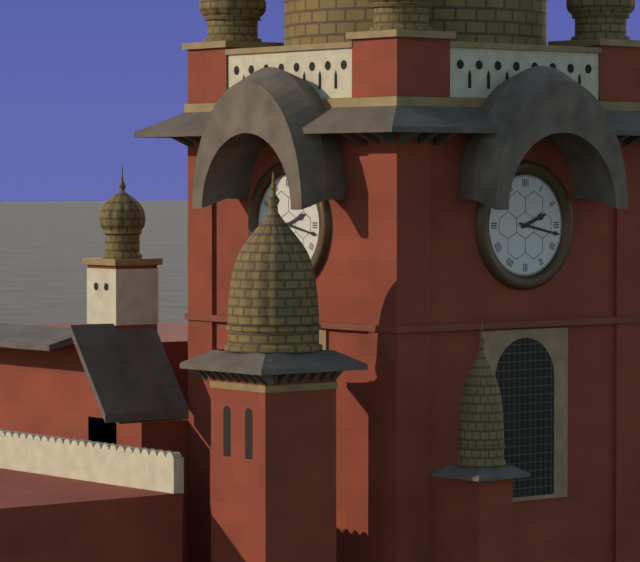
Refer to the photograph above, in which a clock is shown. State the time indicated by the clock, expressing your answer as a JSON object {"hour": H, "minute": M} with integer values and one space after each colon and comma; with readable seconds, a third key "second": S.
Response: {"hour": 2, "minute": 17}
